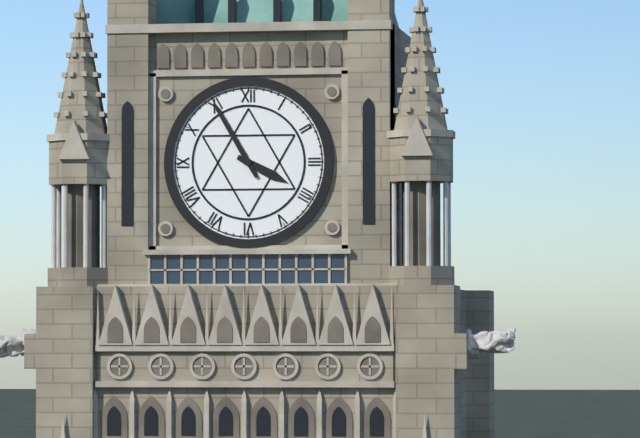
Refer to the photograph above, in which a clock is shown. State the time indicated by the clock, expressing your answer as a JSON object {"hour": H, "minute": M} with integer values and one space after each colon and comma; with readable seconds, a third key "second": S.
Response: {"hour": 3, "minute": 55}
